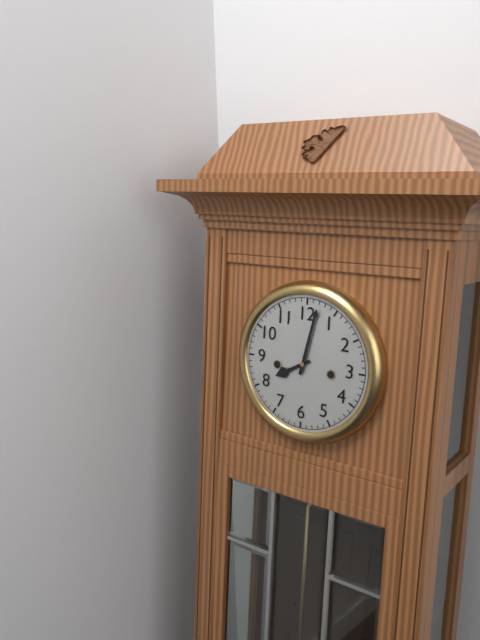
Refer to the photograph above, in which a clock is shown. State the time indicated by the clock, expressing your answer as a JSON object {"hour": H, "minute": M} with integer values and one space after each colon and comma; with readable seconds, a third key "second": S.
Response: {"hour": 8, "minute": 2}
